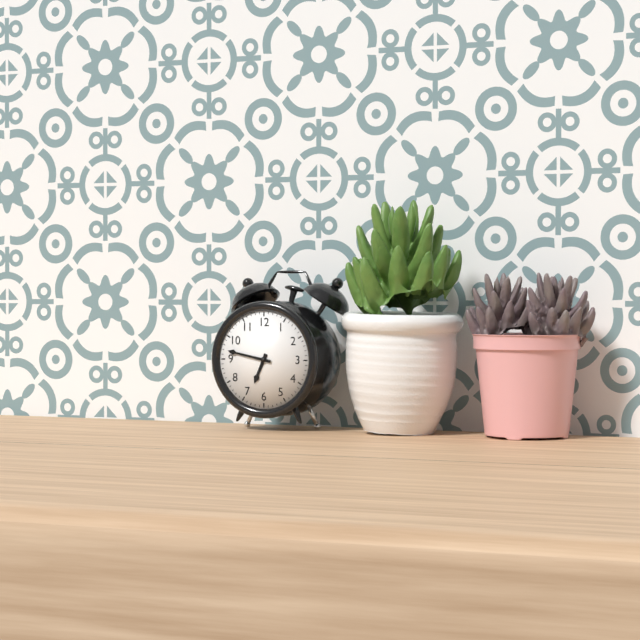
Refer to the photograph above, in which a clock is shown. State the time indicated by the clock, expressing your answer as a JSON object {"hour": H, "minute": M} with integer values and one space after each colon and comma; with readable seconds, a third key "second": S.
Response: {"hour": 6, "minute": 47}
